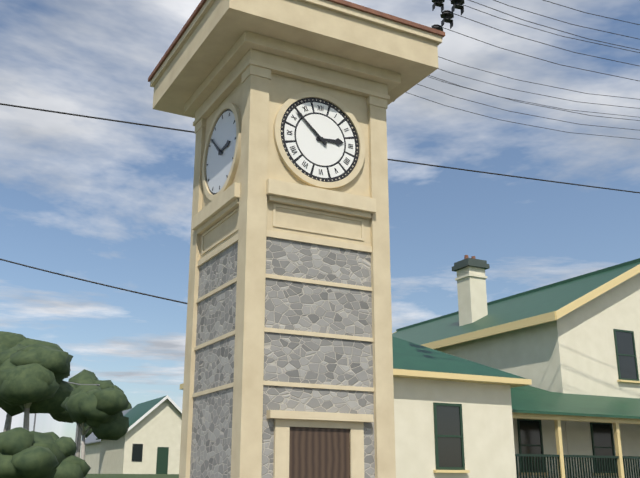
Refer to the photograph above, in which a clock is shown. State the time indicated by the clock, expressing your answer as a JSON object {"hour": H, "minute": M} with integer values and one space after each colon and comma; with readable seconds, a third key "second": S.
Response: {"hour": 2, "minute": 52}
